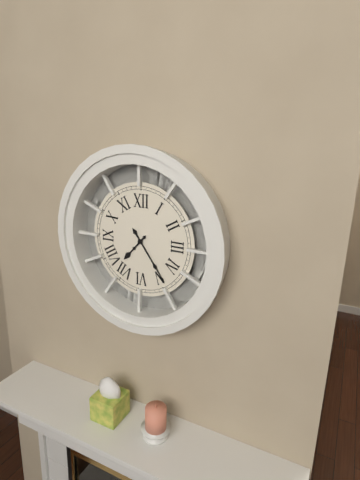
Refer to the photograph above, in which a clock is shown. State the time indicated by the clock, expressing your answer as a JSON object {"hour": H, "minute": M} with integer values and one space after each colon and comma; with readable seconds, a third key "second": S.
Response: {"hour": 7, "minute": 24}
